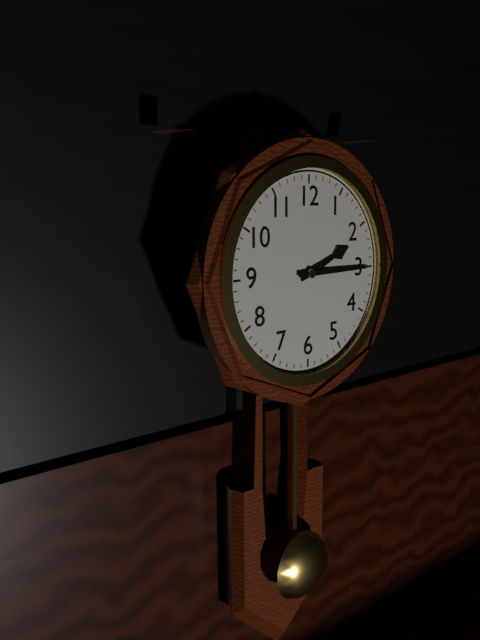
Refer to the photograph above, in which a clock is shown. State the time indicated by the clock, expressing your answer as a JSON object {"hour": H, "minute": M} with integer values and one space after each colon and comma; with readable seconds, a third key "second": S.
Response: {"hour": 2, "minute": 15}
